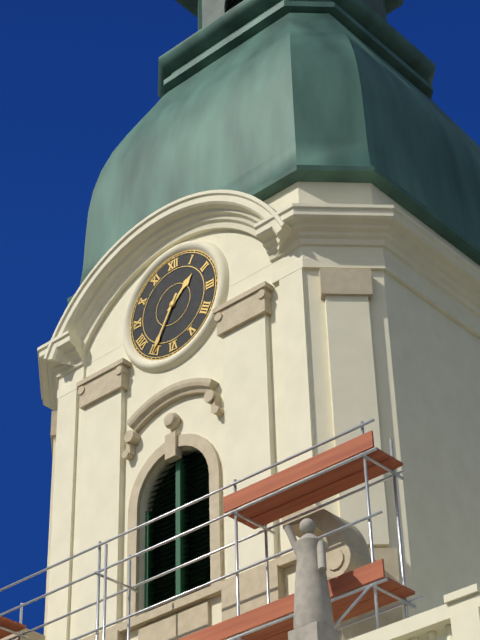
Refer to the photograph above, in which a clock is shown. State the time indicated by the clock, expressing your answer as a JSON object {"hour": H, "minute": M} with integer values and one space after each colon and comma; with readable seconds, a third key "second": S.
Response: {"hour": 1, "minute": 35}
